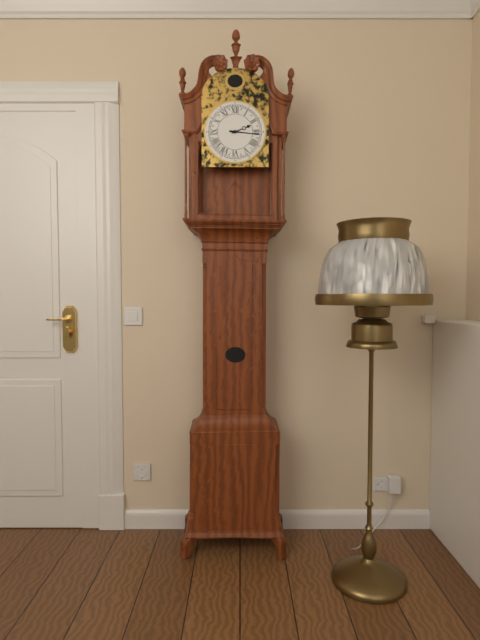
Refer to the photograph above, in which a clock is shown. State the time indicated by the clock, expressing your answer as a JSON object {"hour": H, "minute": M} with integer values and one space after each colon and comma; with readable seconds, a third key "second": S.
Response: {"hour": 2, "minute": 16}
